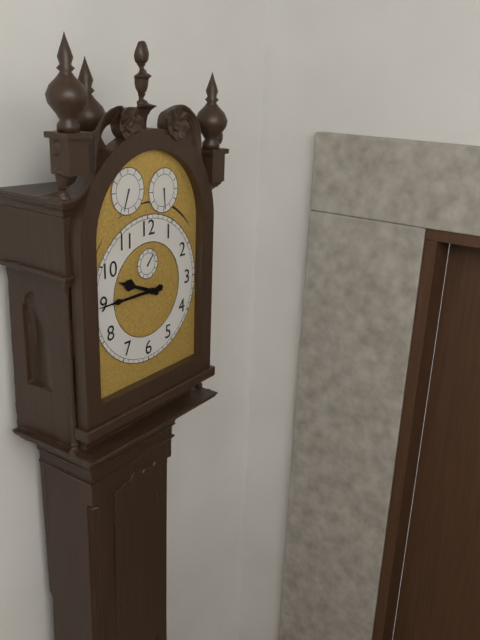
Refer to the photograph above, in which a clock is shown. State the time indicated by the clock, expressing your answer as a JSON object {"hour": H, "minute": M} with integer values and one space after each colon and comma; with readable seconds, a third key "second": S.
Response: {"hour": 9, "minute": 45}
